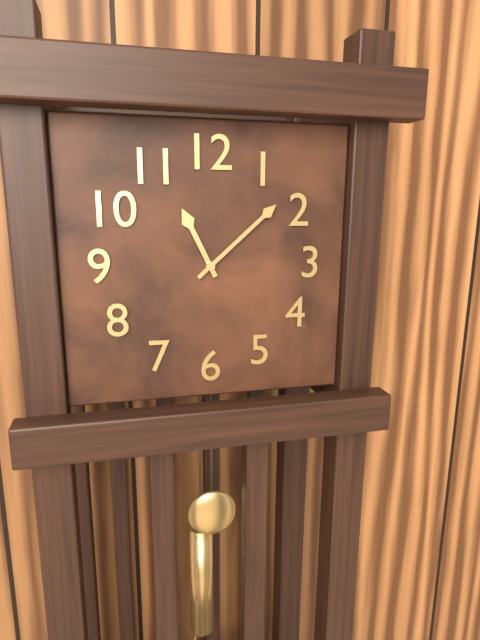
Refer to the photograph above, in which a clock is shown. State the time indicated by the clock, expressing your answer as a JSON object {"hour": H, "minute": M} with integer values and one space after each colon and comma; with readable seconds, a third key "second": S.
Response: {"hour": 11, "minute": 8}
